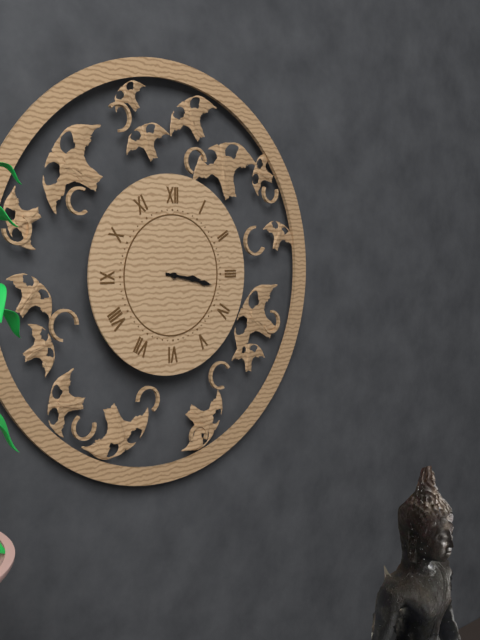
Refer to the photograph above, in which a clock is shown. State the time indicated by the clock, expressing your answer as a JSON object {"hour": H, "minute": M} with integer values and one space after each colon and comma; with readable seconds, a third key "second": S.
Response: {"hour": 3, "minute": 17}
